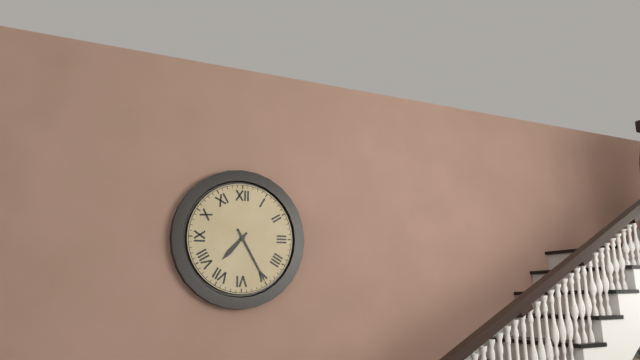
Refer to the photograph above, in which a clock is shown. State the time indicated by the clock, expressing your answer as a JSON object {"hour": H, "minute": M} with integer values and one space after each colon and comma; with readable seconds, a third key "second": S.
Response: {"hour": 7, "minute": 25}
